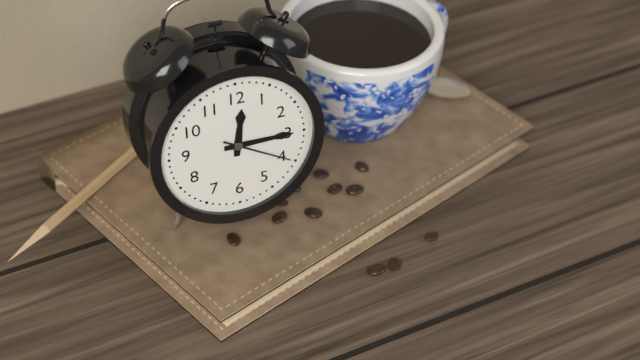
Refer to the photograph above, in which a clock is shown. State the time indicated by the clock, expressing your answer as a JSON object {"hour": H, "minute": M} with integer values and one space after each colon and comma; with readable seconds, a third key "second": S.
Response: {"hour": 12, "minute": 15, "second": 20}
